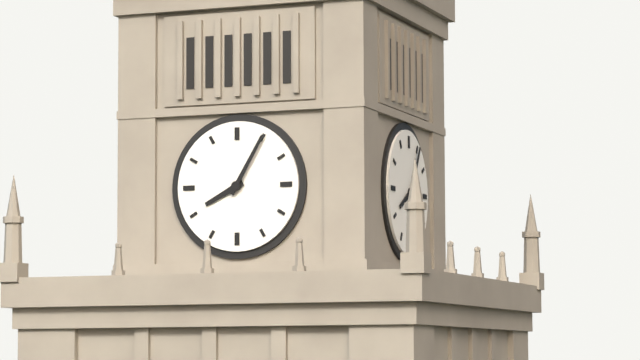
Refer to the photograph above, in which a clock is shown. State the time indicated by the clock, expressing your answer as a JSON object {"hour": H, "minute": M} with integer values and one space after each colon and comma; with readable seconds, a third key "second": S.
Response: {"hour": 8, "minute": 5}
